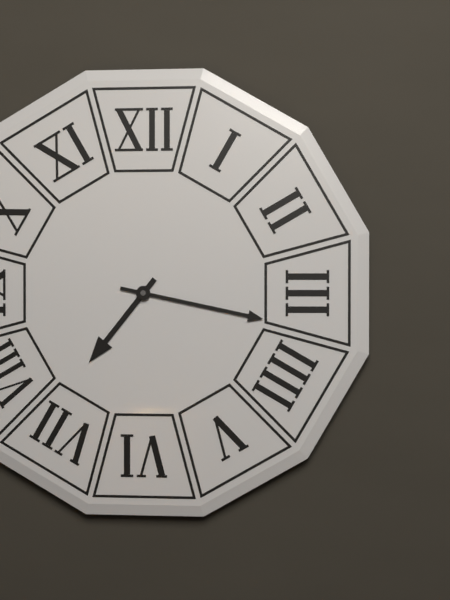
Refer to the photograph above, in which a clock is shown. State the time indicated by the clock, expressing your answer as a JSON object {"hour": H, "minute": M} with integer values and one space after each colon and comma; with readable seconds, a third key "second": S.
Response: {"hour": 7, "minute": 17}
